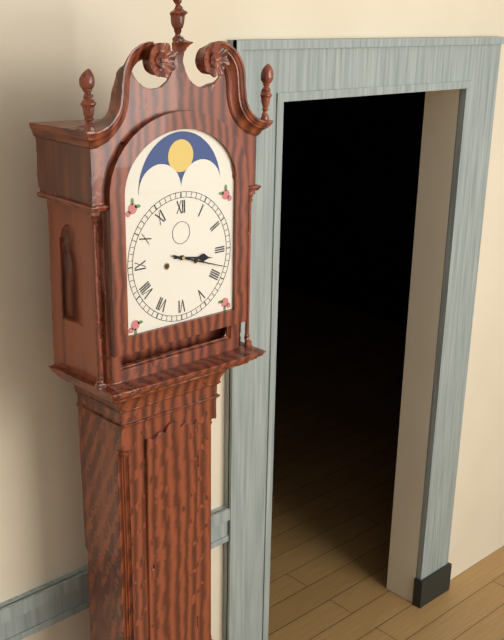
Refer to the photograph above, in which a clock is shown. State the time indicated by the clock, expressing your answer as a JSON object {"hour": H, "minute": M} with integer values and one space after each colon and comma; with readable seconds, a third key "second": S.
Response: {"hour": 3, "minute": 18}
